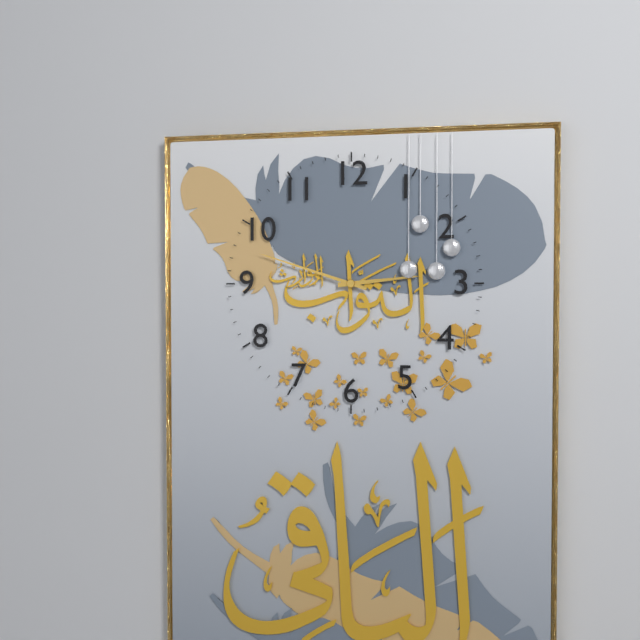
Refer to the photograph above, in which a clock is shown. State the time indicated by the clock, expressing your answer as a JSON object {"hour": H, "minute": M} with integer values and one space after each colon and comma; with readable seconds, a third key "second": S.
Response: {"hour": 2, "minute": 48}
